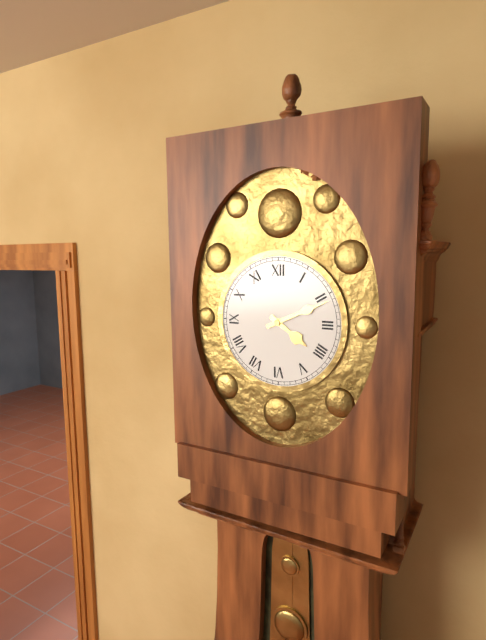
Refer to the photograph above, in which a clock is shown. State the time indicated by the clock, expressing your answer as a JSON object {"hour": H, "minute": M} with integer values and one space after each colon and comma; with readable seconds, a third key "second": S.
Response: {"hour": 4, "minute": 11}
